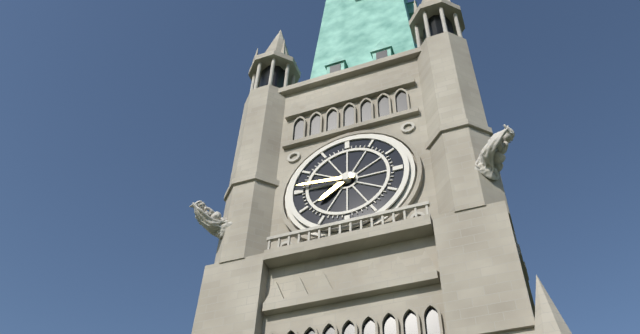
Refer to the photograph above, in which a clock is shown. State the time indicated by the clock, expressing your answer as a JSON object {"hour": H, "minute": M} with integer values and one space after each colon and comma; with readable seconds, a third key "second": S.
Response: {"hour": 7, "minute": 46}
